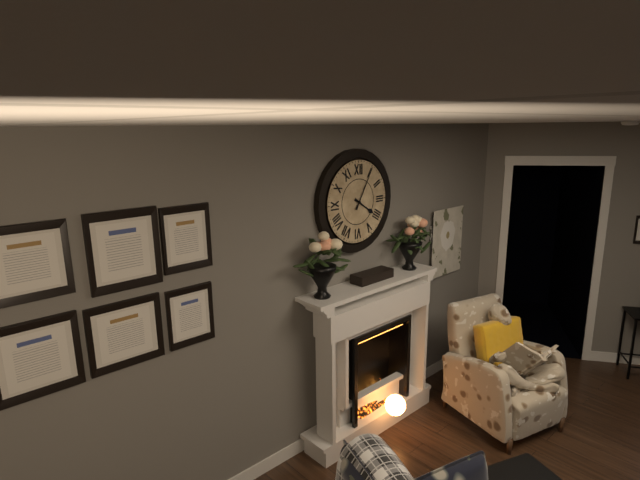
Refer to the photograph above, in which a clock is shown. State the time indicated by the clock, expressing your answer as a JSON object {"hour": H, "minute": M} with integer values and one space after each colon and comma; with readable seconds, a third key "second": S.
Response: {"hour": 4, "minute": 5}
